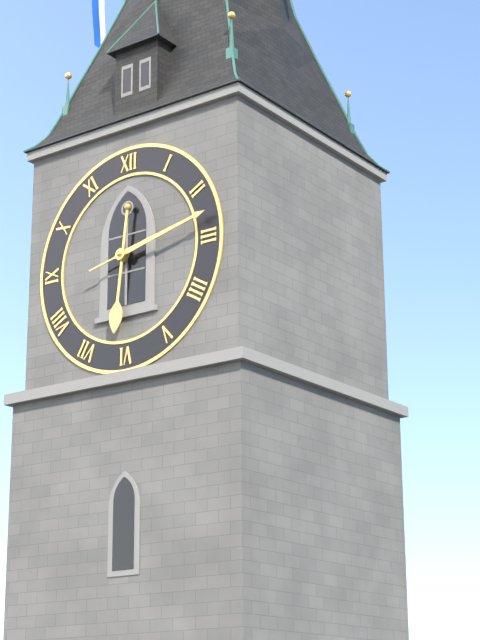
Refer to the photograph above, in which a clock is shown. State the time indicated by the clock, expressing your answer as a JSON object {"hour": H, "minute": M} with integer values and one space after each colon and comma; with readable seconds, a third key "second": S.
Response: {"hour": 6, "minute": 13}
